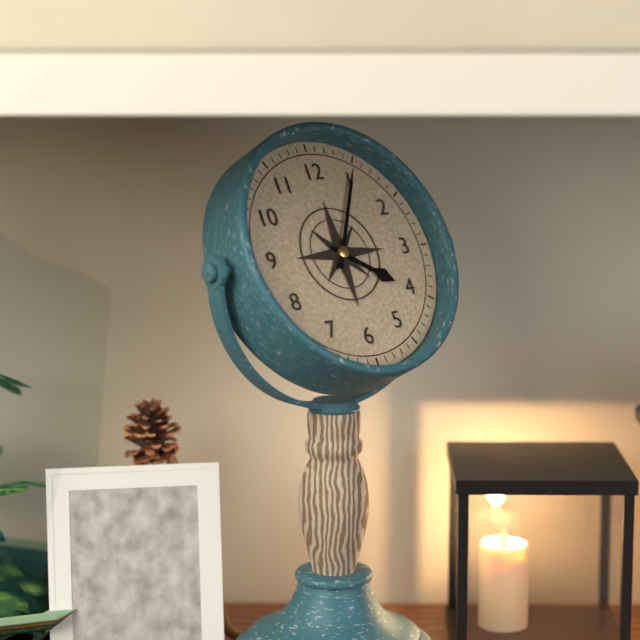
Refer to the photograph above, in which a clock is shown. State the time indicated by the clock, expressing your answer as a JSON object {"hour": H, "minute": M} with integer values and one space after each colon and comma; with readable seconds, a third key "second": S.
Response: {"hour": 4, "minute": 5}
